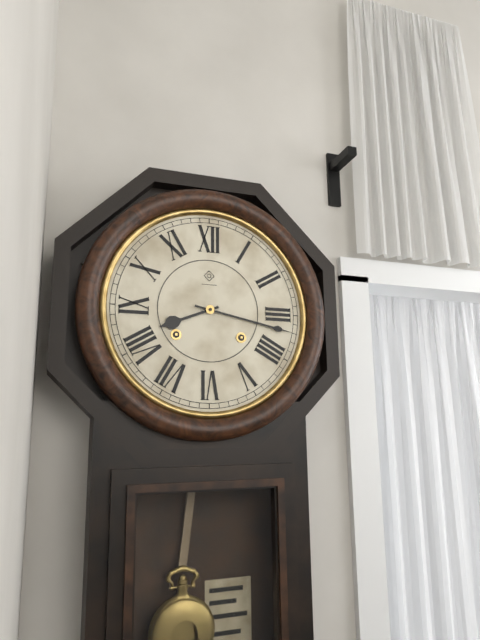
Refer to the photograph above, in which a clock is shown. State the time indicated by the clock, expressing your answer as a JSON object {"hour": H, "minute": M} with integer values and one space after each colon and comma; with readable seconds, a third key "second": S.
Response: {"hour": 8, "minute": 17}
